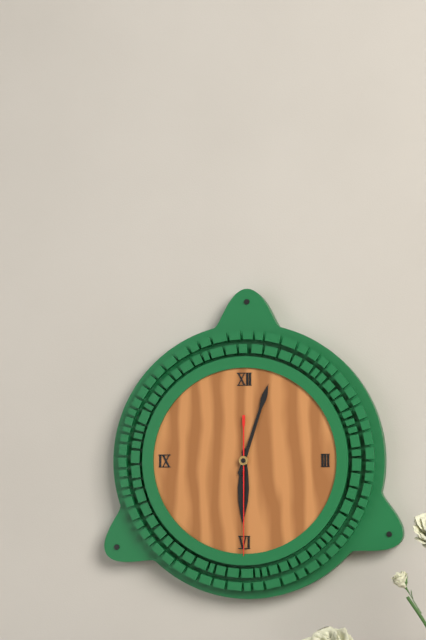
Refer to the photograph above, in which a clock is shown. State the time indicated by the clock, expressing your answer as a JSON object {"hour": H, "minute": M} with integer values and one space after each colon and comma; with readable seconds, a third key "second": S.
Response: {"hour": 6, "minute": 3, "second": 30}
